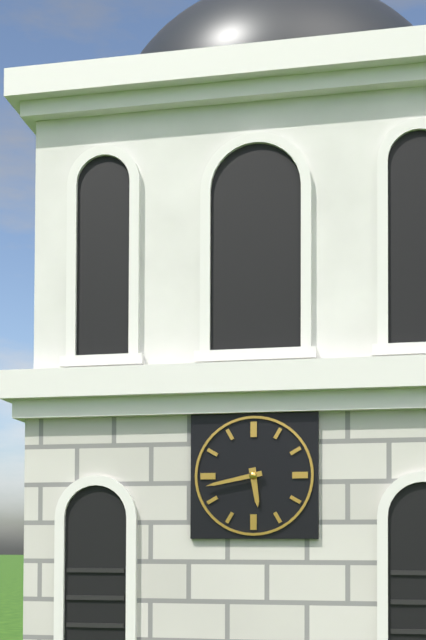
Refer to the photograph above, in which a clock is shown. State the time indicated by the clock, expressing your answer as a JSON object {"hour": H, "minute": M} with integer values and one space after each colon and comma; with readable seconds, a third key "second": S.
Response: {"hour": 5, "minute": 43}
